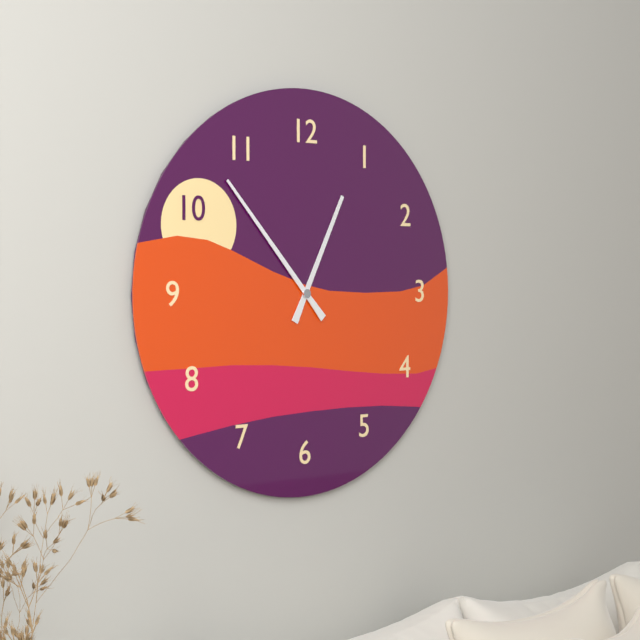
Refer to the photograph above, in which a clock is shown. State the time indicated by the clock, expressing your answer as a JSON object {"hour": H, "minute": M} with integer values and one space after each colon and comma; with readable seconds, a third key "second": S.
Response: {"hour": 12, "minute": 53}
